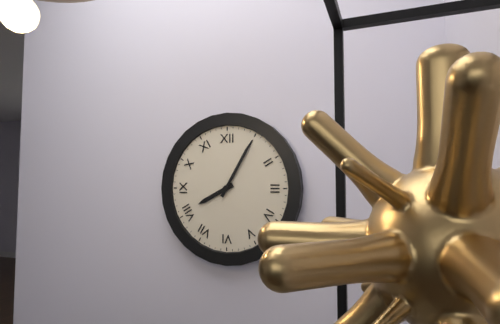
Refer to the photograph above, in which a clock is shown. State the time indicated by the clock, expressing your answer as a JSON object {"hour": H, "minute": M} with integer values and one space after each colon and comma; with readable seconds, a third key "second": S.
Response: {"hour": 8, "minute": 5}
